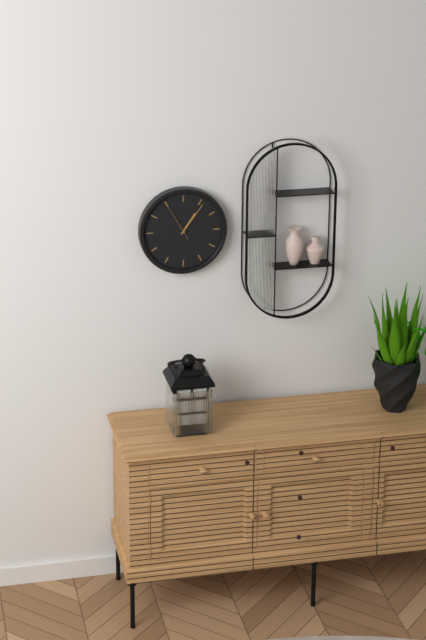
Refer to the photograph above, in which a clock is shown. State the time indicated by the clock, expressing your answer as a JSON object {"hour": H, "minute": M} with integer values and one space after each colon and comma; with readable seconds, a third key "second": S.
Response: {"hour": 1, "minute": 6}
